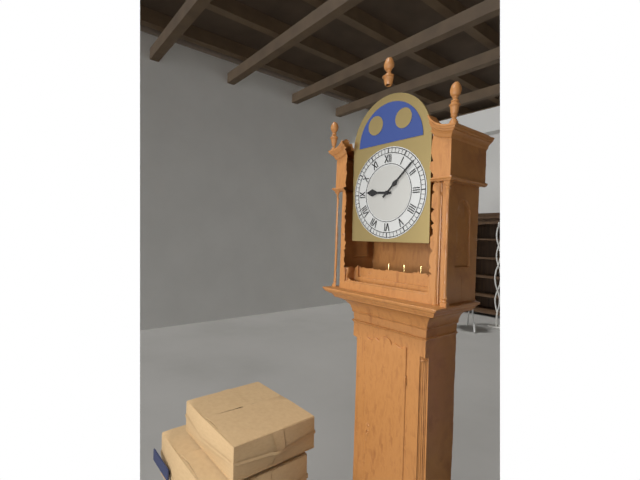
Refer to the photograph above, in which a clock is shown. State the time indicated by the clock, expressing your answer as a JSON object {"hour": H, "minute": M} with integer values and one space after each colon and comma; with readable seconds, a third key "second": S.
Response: {"hour": 9, "minute": 8}
